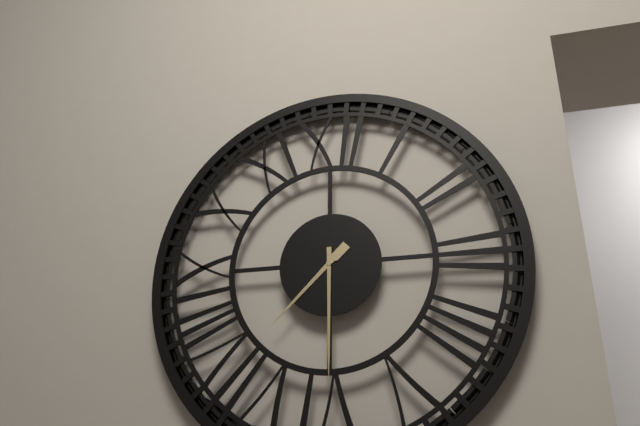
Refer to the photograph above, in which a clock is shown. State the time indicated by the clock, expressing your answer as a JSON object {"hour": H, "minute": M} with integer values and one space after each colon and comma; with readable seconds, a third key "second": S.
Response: {"hour": 7, "minute": 30}
